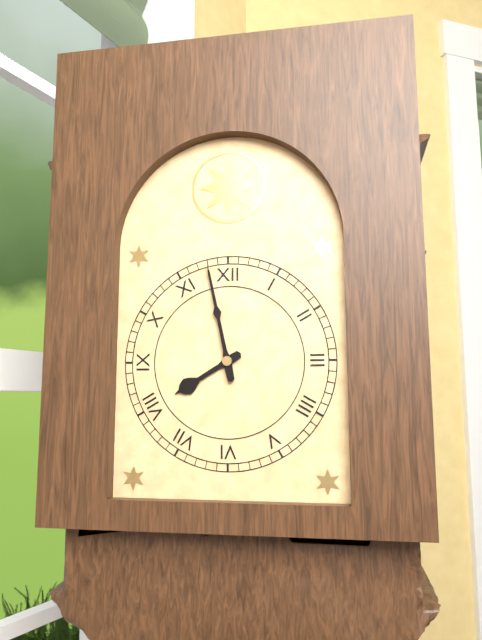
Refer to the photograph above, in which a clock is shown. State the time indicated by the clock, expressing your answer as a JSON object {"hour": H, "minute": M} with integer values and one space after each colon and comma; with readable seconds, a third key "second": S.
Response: {"hour": 7, "minute": 58}
